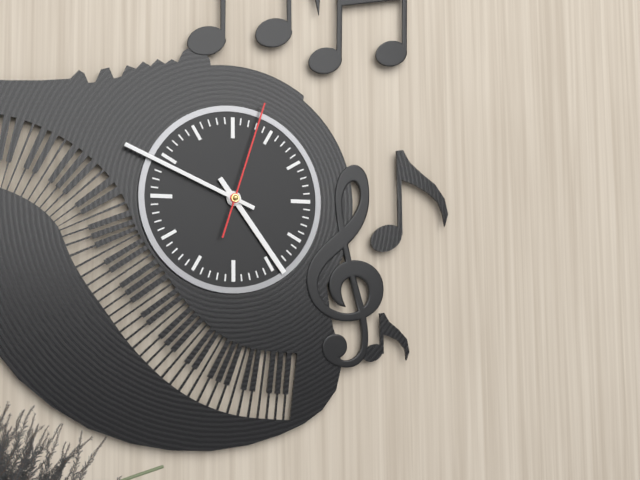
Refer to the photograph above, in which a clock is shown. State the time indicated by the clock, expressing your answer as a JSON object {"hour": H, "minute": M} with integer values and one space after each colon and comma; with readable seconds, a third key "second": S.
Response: {"hour": 4, "minute": 49, "second": 3}
